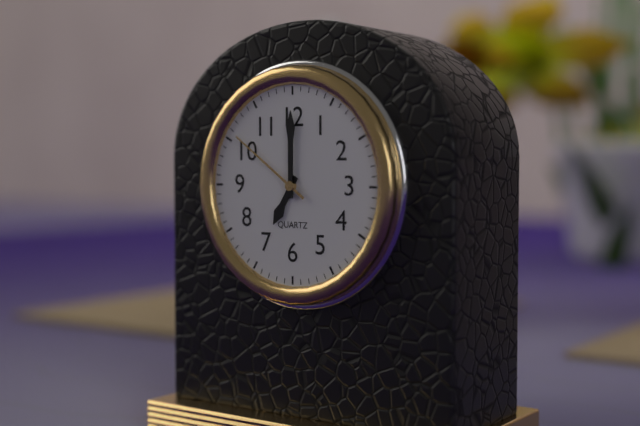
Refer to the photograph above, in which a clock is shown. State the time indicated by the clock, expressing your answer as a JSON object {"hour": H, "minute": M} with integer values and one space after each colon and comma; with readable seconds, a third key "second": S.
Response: {"hour": 7, "minute": 0, "second": 51}
